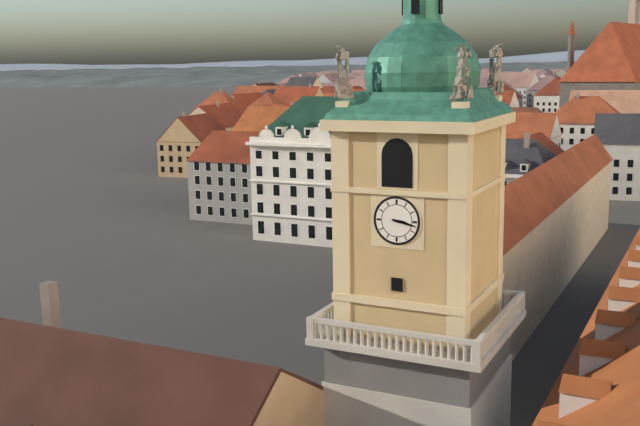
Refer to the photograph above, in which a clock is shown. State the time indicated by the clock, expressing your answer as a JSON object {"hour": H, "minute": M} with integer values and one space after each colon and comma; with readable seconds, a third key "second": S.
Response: {"hour": 3, "minute": 17}
